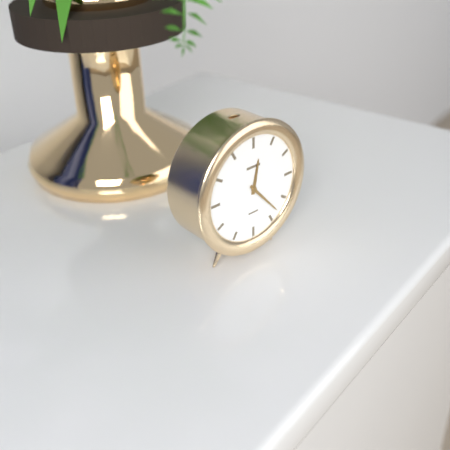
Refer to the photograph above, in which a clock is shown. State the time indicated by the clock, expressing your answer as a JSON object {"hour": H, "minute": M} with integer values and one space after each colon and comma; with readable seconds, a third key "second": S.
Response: {"hour": 12, "minute": 23}
